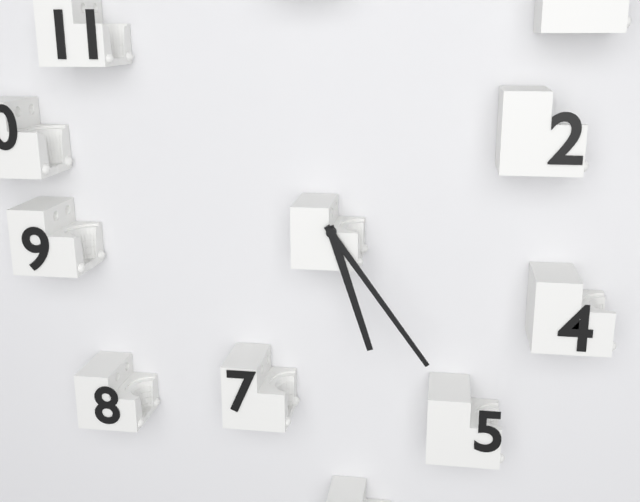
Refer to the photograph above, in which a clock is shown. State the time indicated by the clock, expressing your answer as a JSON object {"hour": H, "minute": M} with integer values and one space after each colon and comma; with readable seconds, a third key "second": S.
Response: {"hour": 5, "minute": 24}
